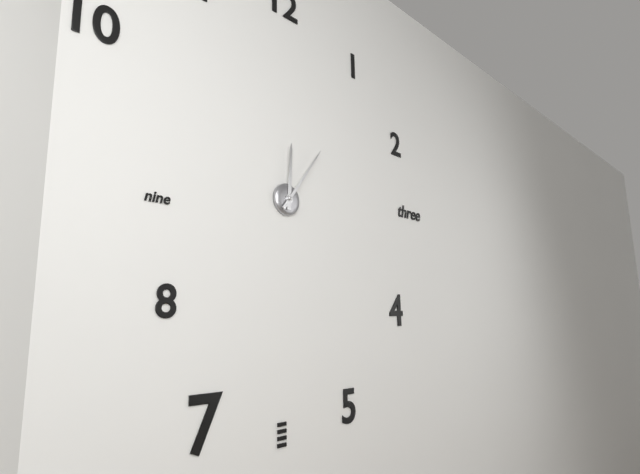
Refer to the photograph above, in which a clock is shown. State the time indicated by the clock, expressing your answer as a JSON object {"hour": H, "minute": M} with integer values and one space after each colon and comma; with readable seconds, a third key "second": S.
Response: {"hour": 12, "minute": 6}
